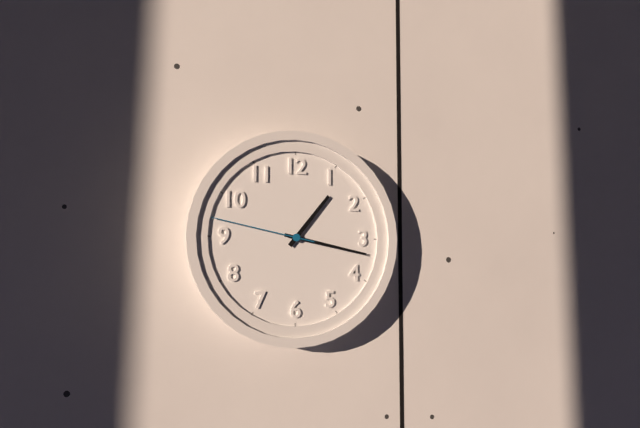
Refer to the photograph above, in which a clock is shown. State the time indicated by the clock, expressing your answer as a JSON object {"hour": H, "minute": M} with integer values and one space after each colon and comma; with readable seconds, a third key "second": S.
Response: {"hour": 1, "minute": 17, "second": 47}
